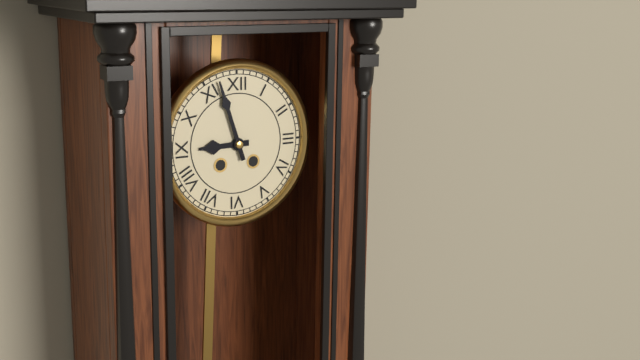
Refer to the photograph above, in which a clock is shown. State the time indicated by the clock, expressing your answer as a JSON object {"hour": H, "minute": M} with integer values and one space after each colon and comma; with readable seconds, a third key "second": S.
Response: {"hour": 8, "minute": 57}
